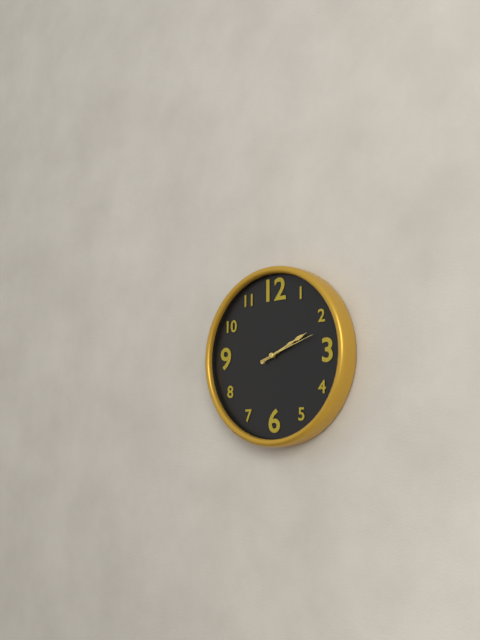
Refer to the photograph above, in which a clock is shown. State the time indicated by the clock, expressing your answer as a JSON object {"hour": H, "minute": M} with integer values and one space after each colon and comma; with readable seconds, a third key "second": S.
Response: {"hour": 2, "minute": 11, "second": 12}
